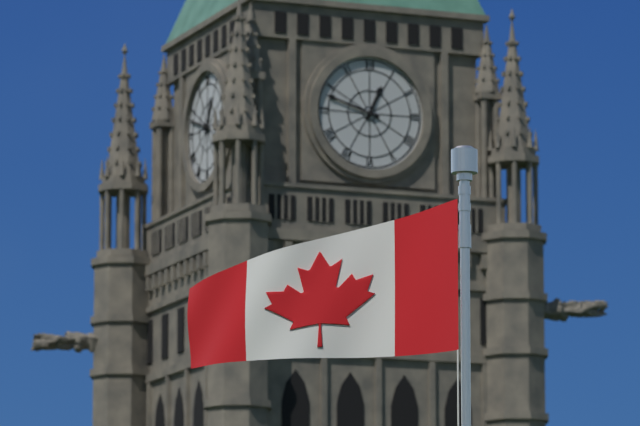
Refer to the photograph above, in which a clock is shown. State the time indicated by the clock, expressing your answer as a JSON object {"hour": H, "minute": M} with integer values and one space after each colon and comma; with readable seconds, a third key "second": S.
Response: {"hour": 12, "minute": 48}
